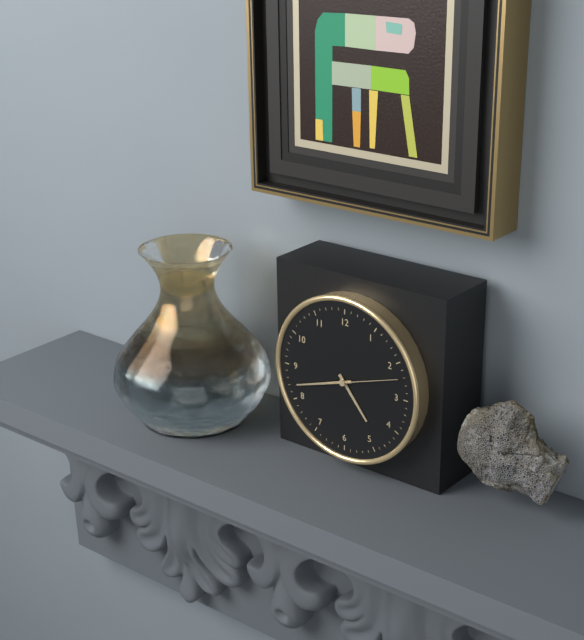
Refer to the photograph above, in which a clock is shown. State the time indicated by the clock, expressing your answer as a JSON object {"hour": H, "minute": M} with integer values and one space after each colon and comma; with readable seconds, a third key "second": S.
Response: {"hour": 4, "minute": 42, "second": 12}
